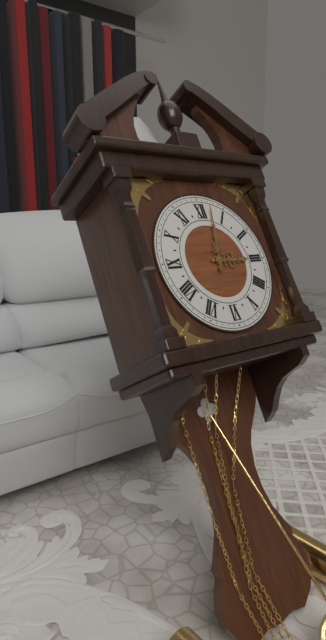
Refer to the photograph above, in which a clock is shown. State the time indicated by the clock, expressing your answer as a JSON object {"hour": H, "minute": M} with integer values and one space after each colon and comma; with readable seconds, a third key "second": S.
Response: {"hour": 3, "minute": 2}
